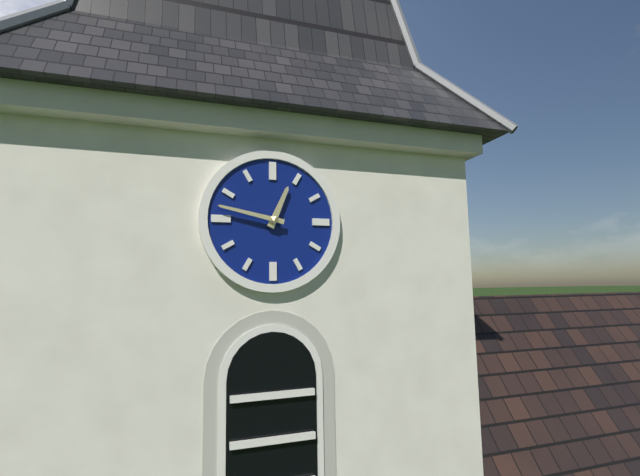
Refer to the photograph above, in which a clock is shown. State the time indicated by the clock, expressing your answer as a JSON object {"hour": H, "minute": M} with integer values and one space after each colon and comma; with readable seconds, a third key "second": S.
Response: {"hour": 12, "minute": 47}
